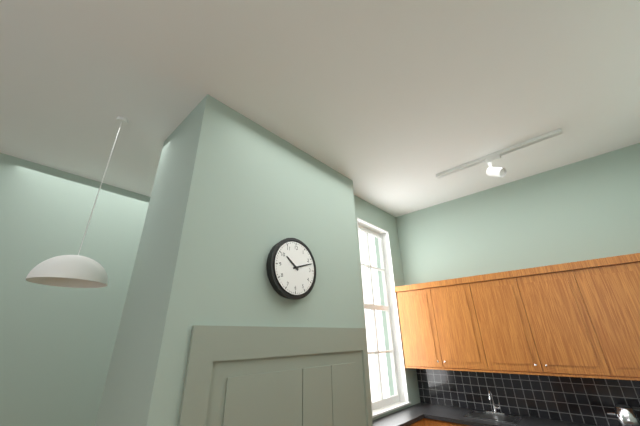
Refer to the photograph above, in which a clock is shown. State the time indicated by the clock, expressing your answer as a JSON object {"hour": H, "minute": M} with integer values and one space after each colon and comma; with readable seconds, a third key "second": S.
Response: {"hour": 10, "minute": 12}
